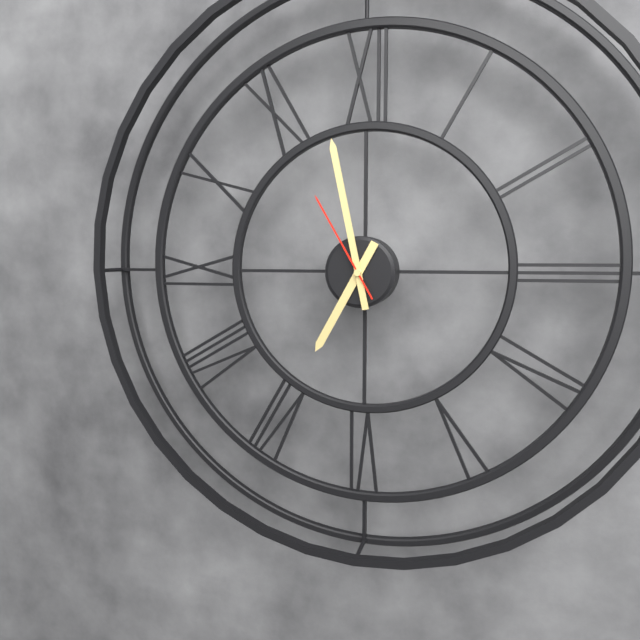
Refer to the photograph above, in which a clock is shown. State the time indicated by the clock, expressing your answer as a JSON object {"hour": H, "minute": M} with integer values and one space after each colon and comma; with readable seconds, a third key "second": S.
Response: {"hour": 6, "minute": 58, "second": 55}
